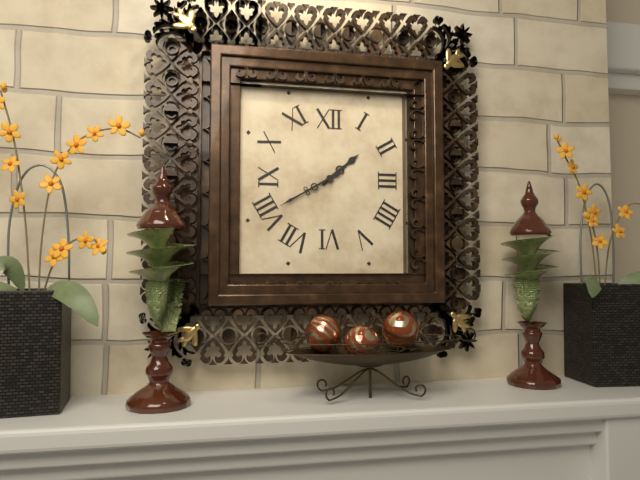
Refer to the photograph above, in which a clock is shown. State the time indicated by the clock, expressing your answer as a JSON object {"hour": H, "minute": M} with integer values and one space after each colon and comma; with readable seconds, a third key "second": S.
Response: {"hour": 1, "minute": 40}
